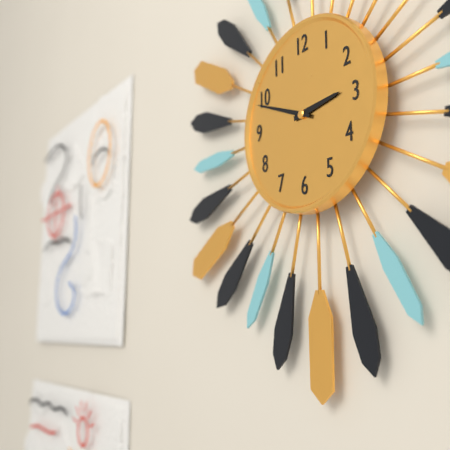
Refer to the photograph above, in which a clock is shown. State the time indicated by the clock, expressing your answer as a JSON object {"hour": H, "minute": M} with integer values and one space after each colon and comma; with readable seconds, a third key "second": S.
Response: {"hour": 2, "minute": 49}
